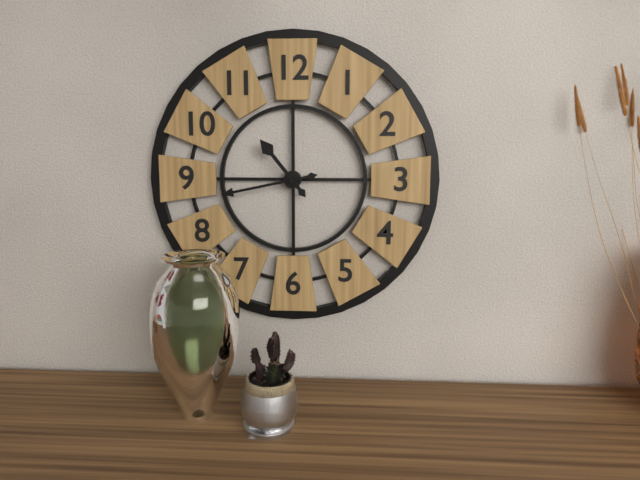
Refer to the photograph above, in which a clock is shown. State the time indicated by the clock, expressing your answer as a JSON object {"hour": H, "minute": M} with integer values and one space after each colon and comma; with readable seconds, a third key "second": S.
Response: {"hour": 10, "minute": 43}
